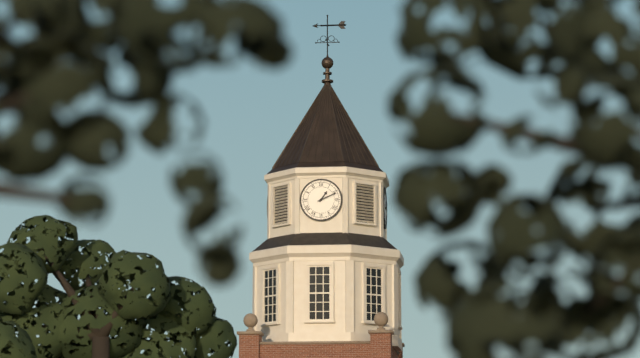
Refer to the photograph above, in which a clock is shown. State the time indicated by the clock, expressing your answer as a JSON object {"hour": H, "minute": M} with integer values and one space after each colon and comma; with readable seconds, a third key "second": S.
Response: {"hour": 1, "minute": 11}
